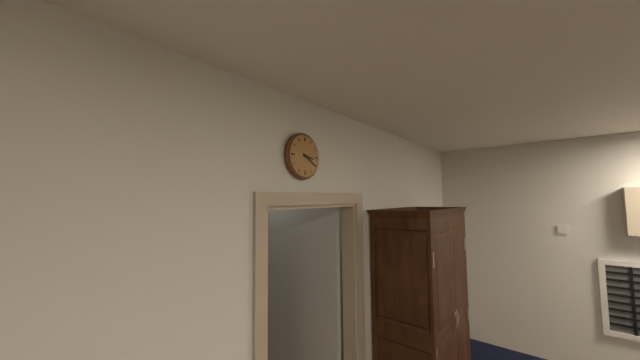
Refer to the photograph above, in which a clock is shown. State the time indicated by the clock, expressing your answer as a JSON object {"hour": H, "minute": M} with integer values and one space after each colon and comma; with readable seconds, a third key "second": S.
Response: {"hour": 3, "minute": 20}
